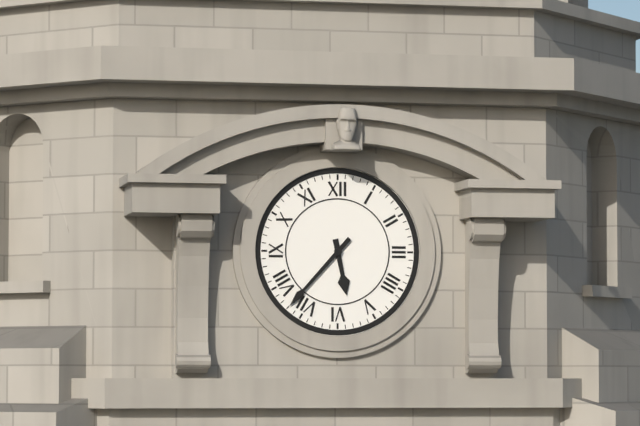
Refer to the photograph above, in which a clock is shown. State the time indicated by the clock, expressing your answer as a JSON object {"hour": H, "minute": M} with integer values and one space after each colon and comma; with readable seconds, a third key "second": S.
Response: {"hour": 5, "minute": 37}
